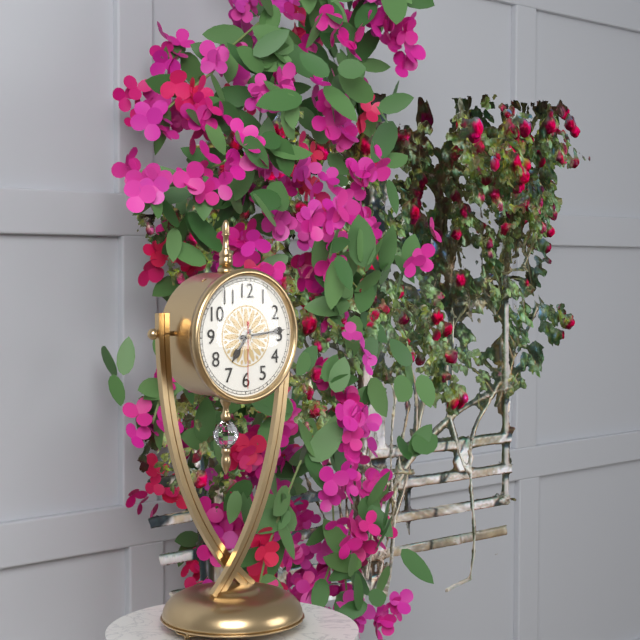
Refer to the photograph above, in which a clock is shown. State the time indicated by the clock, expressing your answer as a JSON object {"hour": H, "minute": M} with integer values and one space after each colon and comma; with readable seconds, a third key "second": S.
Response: {"hour": 7, "minute": 14, "second": 30}
